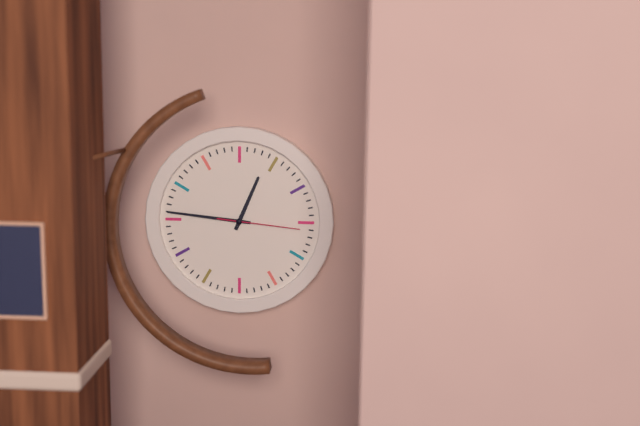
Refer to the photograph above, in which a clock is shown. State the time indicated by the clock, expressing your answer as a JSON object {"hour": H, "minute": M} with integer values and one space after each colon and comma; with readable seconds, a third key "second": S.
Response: {"hour": 12, "minute": 46, "second": 16}
